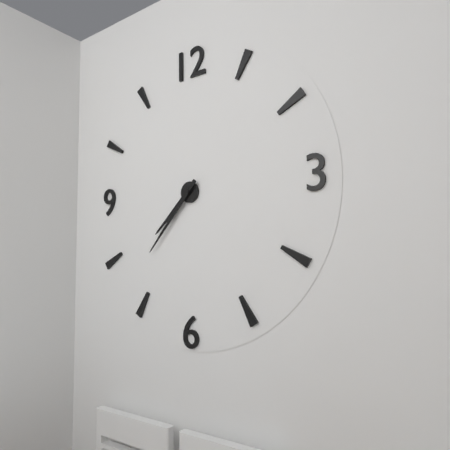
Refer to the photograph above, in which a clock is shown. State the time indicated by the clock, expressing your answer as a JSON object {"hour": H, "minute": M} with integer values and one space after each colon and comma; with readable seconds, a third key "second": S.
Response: {"hour": 7, "minute": 37}
